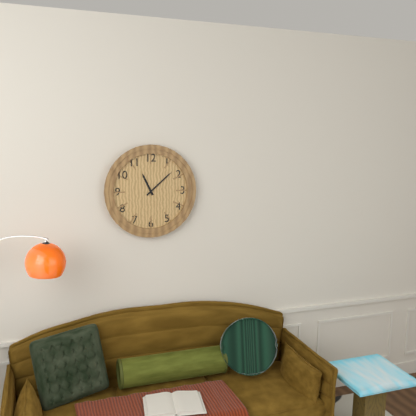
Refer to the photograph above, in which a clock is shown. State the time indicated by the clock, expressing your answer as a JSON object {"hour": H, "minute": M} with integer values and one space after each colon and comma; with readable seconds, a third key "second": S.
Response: {"hour": 11, "minute": 8}
